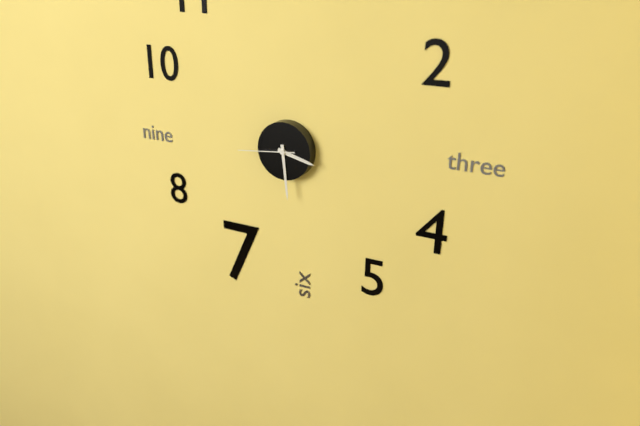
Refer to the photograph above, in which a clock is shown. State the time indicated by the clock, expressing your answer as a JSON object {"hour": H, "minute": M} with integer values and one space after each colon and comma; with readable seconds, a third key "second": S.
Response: {"hour": 3, "minute": 29, "second": 44}
